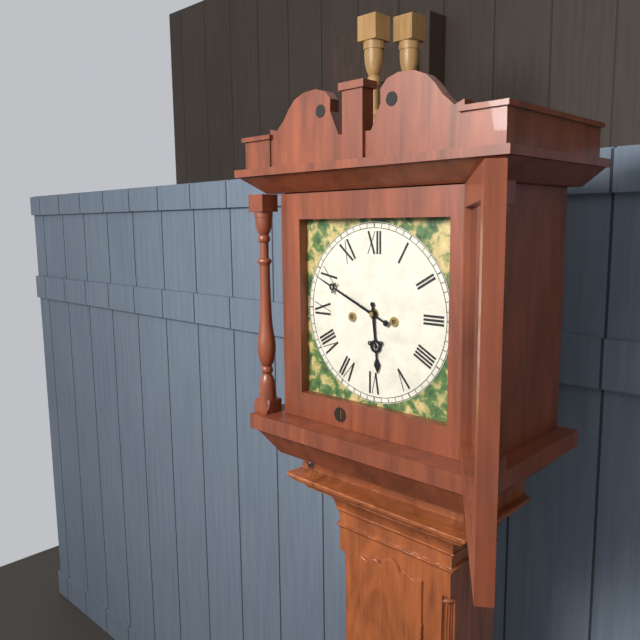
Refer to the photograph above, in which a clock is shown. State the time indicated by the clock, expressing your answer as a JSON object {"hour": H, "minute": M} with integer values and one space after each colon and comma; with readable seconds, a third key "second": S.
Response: {"hour": 5, "minute": 49}
